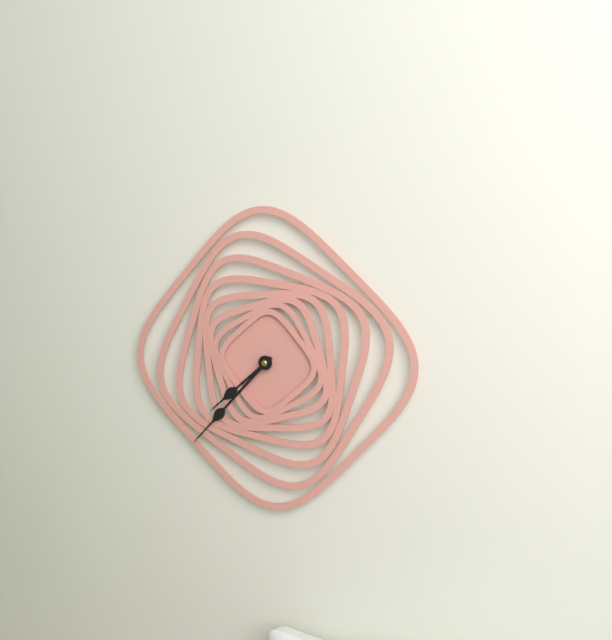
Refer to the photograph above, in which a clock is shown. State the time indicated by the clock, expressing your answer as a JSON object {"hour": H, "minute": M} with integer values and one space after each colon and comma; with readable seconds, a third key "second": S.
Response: {"hour": 7, "minute": 37}
